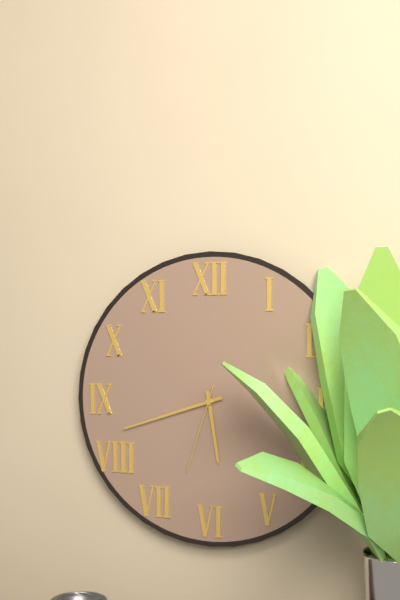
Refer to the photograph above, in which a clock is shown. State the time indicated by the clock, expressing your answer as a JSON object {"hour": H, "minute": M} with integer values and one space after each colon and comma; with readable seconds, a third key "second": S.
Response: {"hour": 5, "minute": 42, "second": 33}
